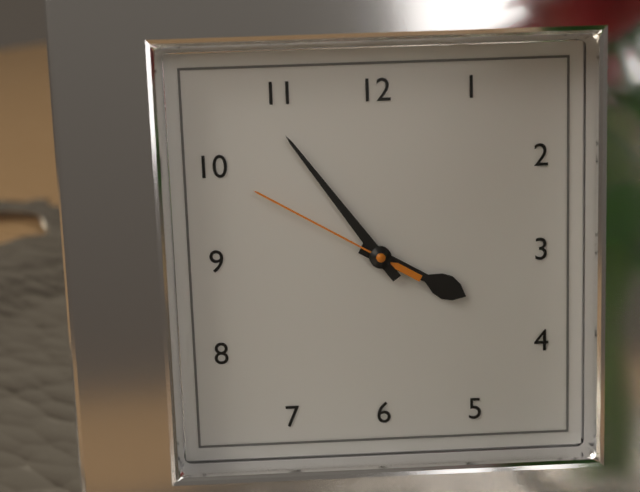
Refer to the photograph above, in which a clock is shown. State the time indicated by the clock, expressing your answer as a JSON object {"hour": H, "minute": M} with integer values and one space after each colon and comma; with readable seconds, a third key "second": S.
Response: {"hour": 3, "minute": 54, "second": 50}
